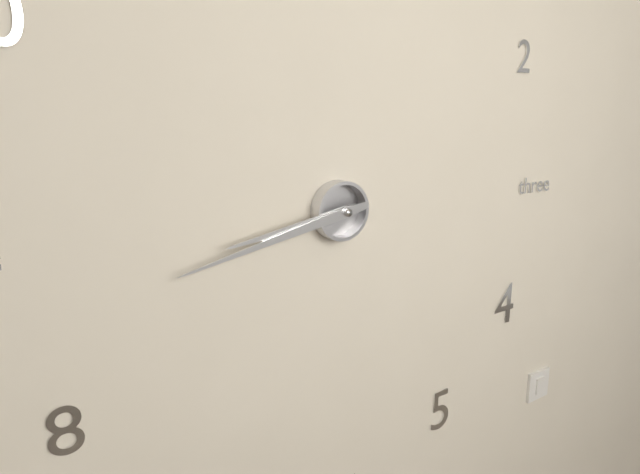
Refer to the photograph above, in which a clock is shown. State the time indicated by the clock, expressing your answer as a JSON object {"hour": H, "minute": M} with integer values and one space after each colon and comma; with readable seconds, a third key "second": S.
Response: {"hour": 8, "minute": 43}
